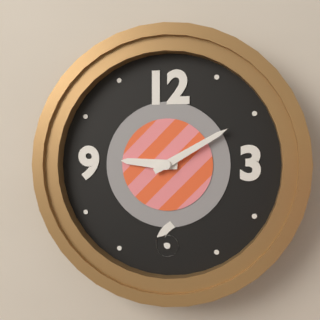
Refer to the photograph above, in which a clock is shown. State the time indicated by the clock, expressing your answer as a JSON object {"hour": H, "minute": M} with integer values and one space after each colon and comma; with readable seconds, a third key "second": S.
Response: {"hour": 9, "minute": 10}
